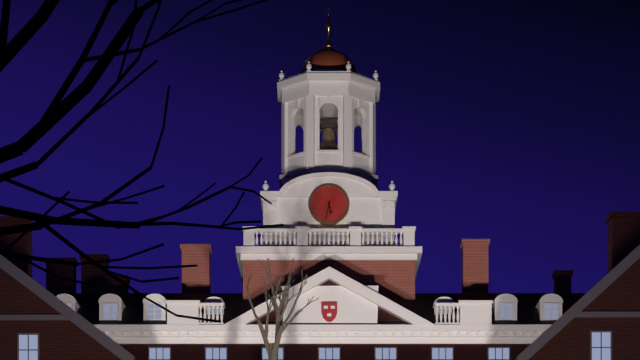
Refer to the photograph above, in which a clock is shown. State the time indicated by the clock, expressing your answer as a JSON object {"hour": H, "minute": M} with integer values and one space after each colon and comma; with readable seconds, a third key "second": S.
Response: {"hour": 5, "minute": 32}
